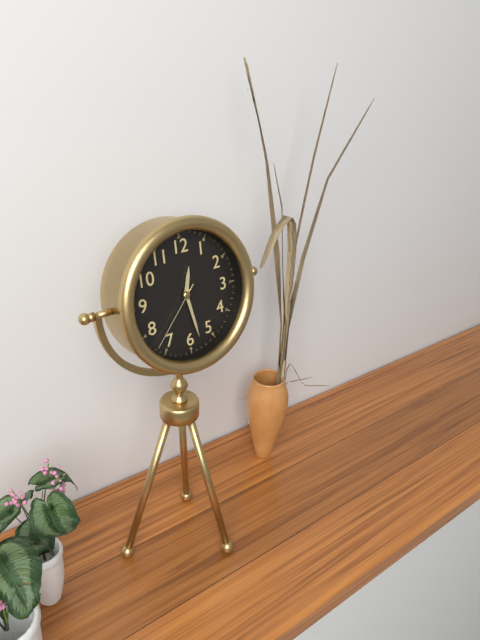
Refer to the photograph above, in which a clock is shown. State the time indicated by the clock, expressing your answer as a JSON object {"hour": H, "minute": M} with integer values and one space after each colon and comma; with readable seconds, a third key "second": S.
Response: {"hour": 12, "minute": 28, "second": 37}
